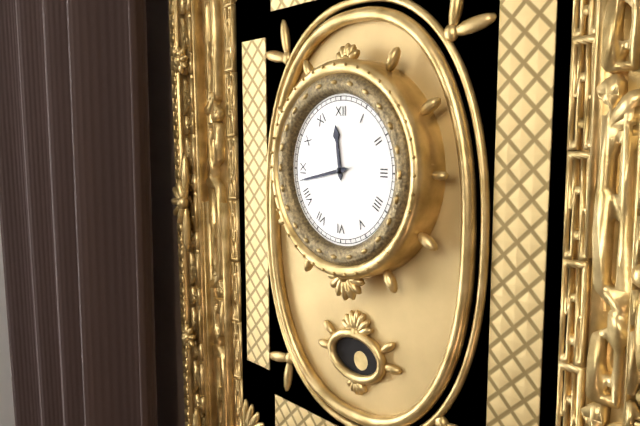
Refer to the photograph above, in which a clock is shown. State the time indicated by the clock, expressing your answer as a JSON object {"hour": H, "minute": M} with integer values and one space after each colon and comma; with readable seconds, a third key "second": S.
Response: {"hour": 11, "minute": 43}
